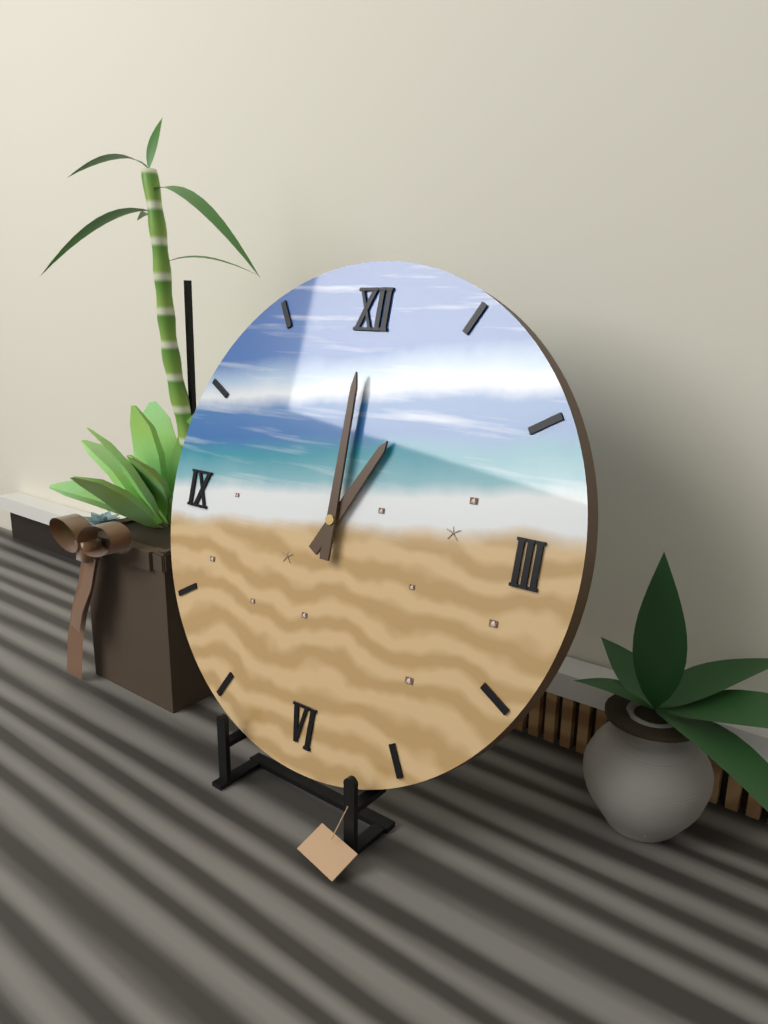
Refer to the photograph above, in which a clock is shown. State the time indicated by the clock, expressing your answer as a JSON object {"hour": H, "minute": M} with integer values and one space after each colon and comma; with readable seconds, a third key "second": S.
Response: {"hour": 1, "minute": 0}
